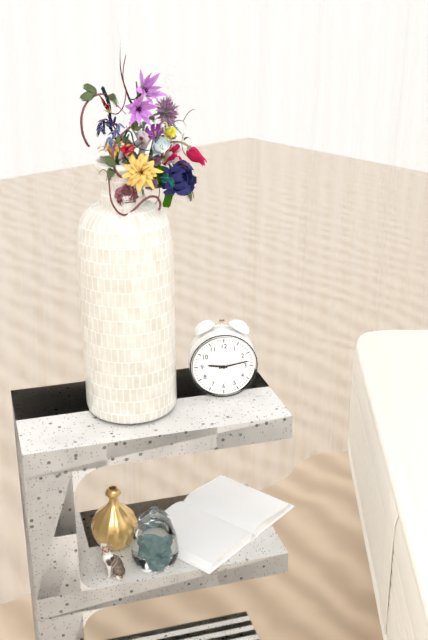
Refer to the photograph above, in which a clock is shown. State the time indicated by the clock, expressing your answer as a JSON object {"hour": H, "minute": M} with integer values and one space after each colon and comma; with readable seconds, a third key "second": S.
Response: {"hour": 9, "minute": 13}
